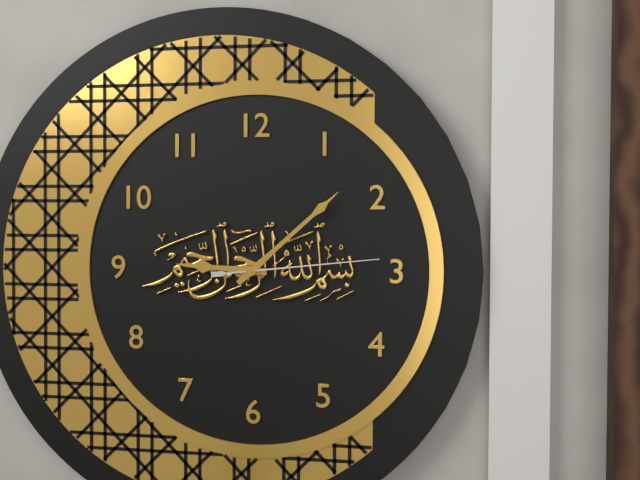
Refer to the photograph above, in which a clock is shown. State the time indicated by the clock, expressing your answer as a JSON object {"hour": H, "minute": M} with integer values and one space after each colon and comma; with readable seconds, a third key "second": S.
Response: {"hour": 9, "minute": 8, "second": 14}
